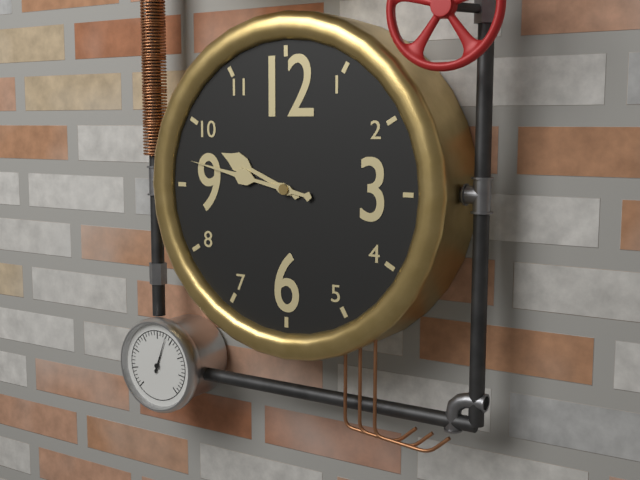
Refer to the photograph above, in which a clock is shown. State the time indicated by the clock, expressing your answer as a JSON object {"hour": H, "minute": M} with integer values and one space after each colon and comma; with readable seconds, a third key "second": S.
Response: {"hour": 9, "minute": 47}
